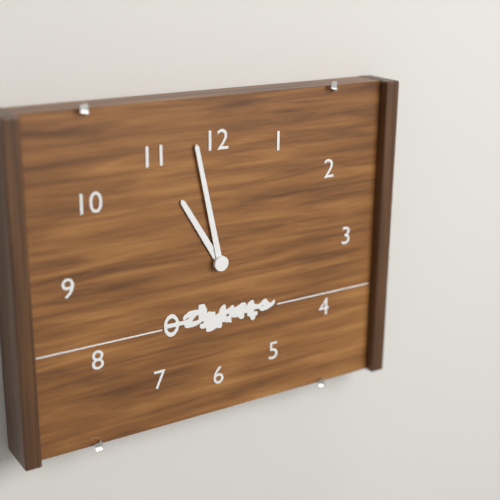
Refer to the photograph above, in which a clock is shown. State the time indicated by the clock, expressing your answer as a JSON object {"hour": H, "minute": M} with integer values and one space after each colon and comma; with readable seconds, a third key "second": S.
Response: {"hour": 10, "minute": 58}
